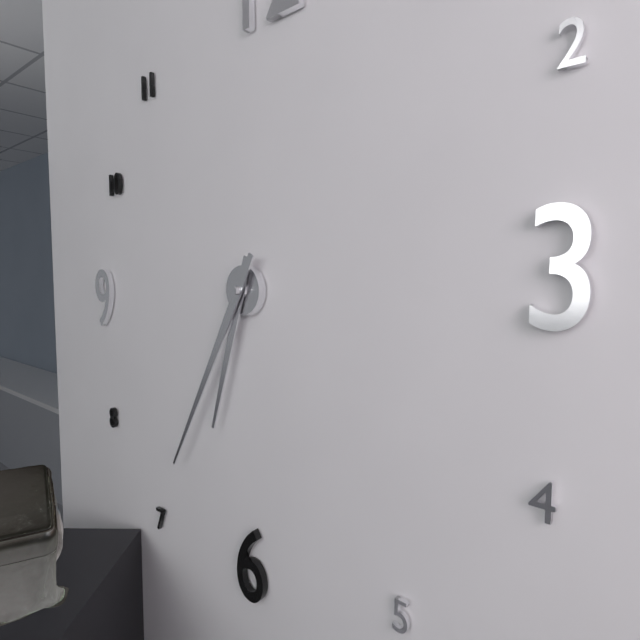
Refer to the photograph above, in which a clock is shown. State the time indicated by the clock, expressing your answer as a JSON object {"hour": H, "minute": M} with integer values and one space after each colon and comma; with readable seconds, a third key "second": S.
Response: {"hour": 6, "minute": 35}
